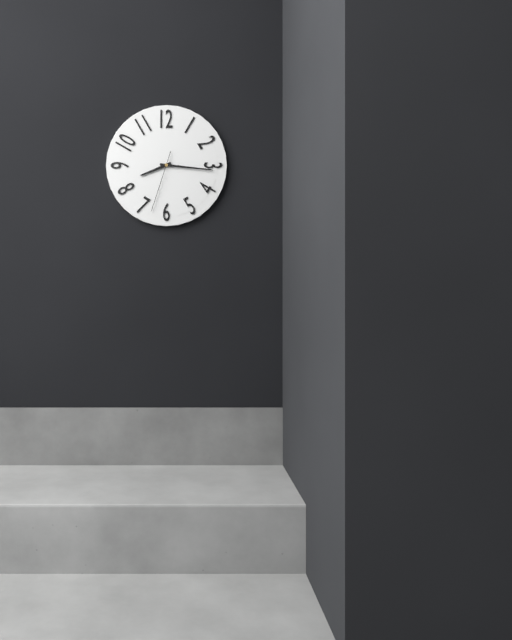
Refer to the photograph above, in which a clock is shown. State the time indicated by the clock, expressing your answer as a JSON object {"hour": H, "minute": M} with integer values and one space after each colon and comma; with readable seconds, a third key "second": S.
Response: {"hour": 8, "minute": 16, "second": 33}
